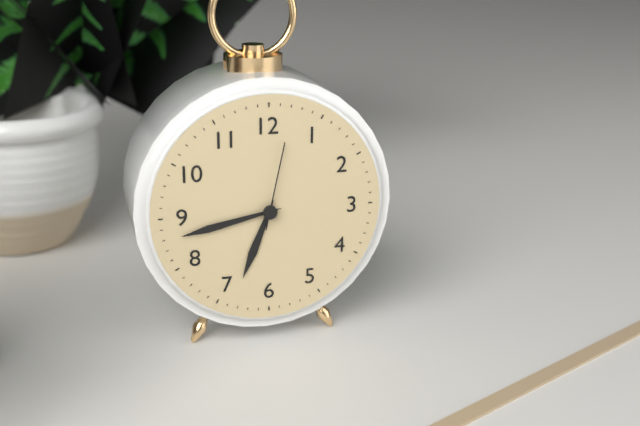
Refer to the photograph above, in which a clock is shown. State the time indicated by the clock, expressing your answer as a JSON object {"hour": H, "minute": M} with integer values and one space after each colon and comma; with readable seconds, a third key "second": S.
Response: {"hour": 6, "minute": 43, "second": 2}
